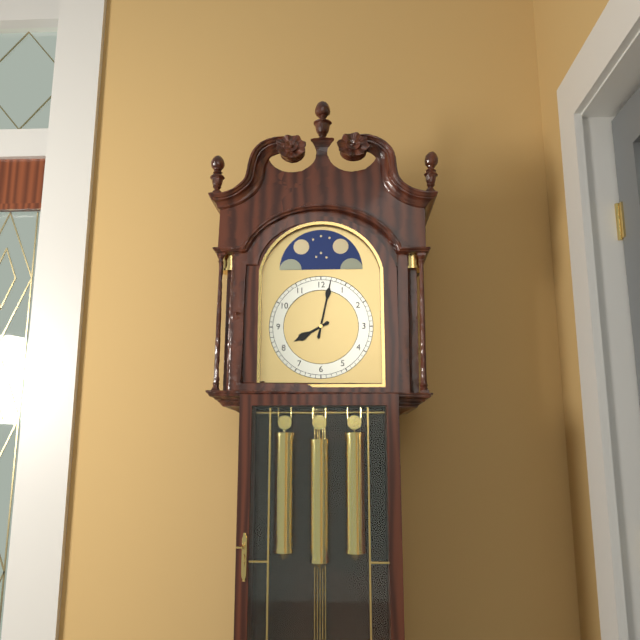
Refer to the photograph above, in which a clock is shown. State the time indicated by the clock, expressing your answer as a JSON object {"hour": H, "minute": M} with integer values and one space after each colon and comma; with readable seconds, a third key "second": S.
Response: {"hour": 8, "minute": 2}
